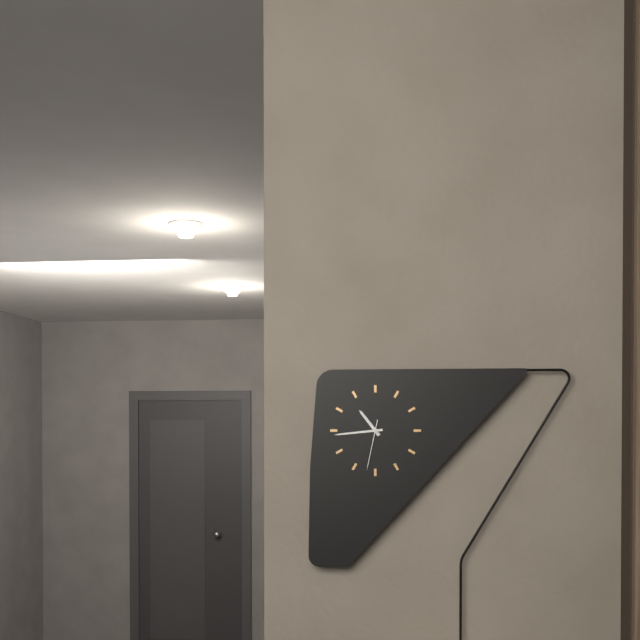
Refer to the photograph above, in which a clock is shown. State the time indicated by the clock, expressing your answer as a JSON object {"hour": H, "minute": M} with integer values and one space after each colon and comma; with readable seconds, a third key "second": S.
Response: {"hour": 10, "minute": 44, "second": 32}
